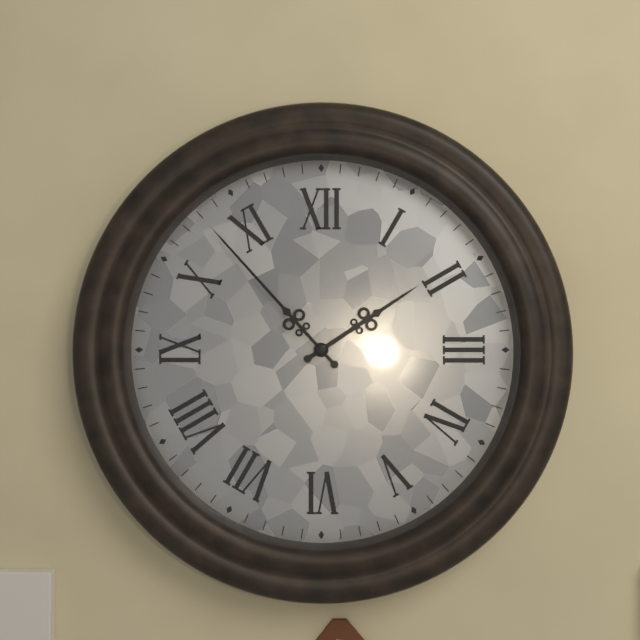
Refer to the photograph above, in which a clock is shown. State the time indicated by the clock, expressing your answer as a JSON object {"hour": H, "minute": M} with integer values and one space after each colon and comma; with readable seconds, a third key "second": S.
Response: {"hour": 1, "minute": 53}
